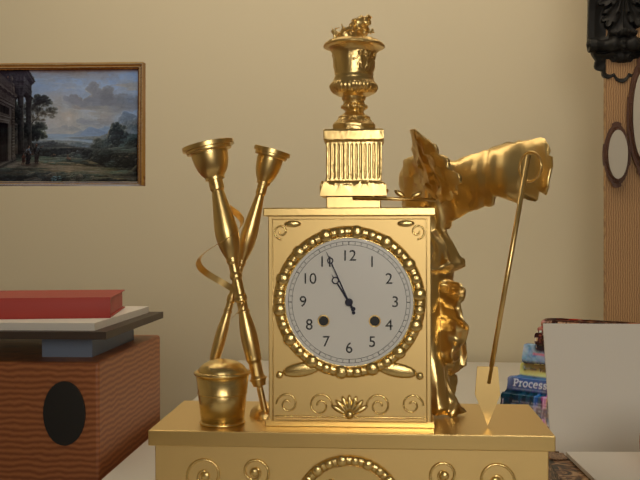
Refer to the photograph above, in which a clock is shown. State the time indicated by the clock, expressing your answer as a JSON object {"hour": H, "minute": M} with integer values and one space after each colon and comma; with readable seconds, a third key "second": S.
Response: {"hour": 10, "minute": 56}
